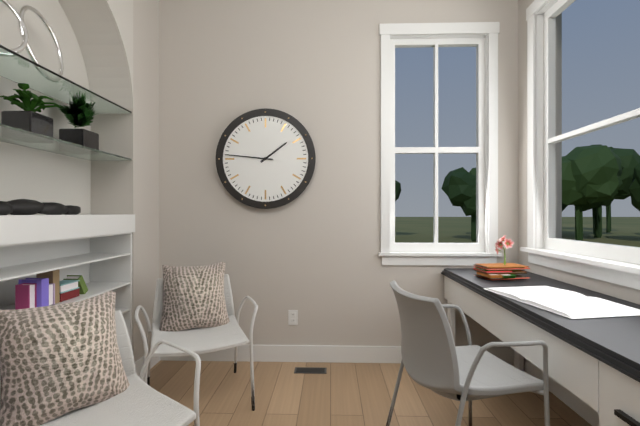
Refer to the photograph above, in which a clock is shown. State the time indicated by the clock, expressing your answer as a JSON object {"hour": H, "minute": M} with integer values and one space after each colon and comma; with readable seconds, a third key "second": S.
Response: {"hour": 1, "minute": 46}
